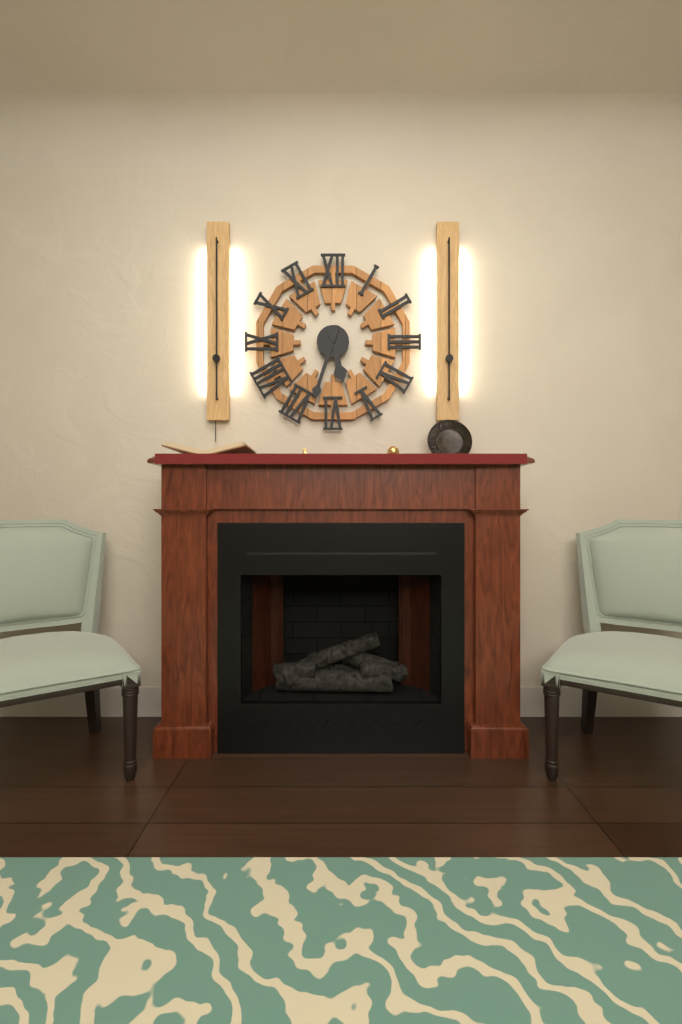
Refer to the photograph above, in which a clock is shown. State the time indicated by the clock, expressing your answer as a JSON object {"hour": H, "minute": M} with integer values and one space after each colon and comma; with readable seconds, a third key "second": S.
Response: {"hour": 5, "minute": 33}
